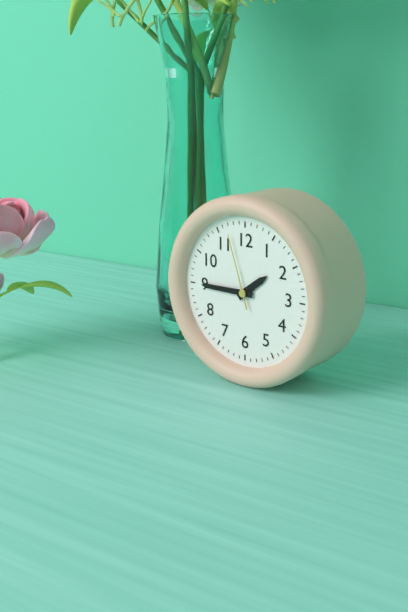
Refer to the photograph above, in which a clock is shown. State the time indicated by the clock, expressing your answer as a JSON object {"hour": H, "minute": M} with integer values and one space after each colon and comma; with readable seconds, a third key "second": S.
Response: {"hour": 1, "minute": 45, "second": 57}
